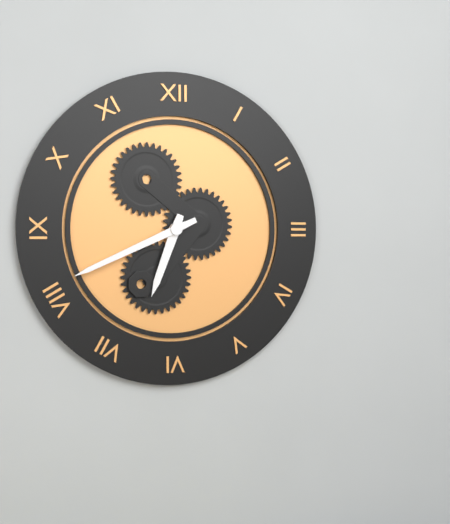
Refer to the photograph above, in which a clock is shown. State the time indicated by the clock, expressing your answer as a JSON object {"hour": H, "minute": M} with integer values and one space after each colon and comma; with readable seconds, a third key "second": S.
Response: {"hour": 6, "minute": 41}
